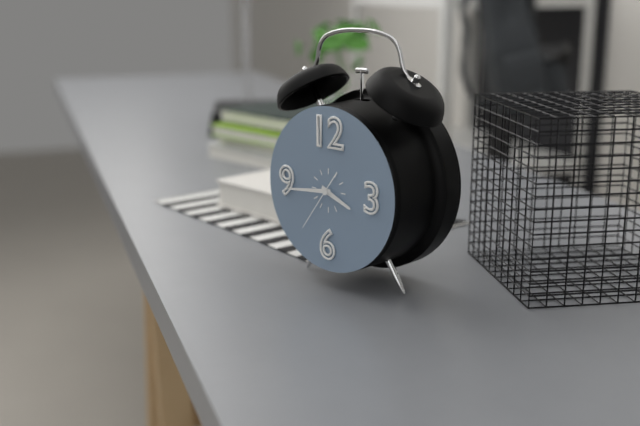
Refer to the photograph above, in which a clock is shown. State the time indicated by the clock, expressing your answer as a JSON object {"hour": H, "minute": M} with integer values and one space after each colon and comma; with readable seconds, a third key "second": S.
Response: {"hour": 3, "minute": 44, "second": 36}
